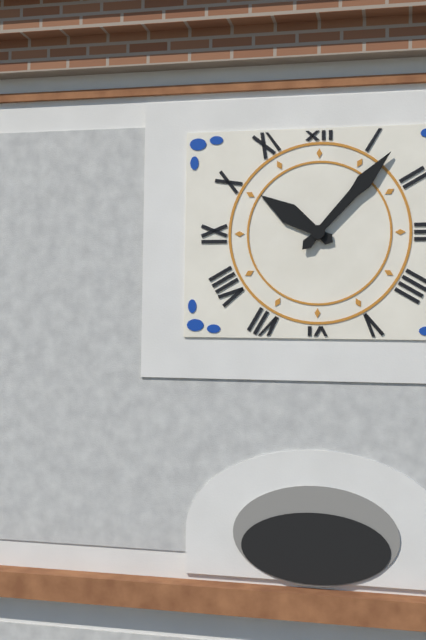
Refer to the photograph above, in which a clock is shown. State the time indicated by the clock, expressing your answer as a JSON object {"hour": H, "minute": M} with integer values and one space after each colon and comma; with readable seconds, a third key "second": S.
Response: {"hour": 10, "minute": 7}
